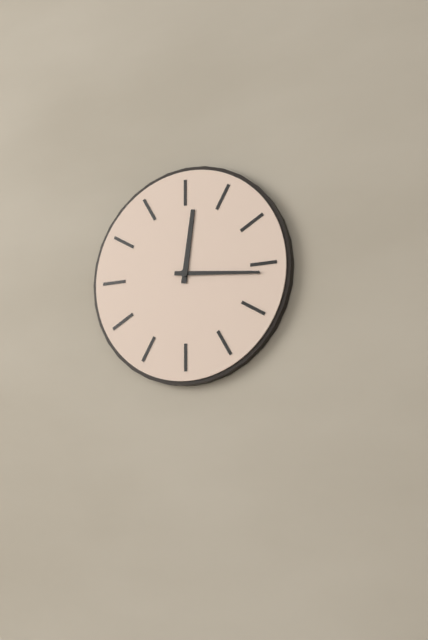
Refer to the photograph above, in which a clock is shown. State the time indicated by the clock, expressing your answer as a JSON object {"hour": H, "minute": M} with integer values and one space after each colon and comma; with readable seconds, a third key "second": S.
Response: {"hour": 12, "minute": 16}
